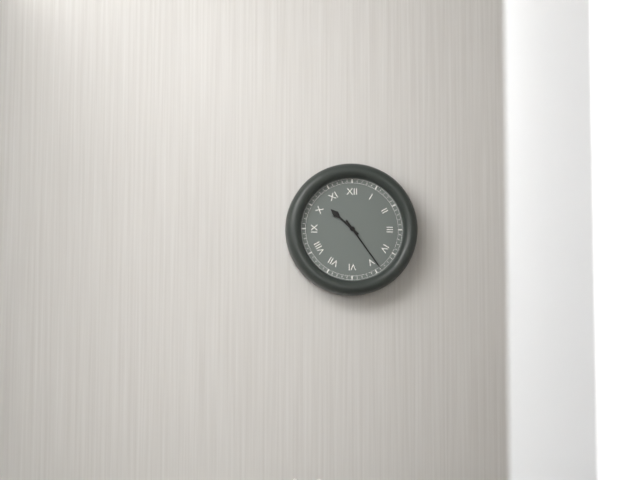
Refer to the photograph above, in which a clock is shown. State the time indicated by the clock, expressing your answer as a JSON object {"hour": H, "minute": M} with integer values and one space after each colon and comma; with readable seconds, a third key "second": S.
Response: {"hour": 10, "minute": 24}
